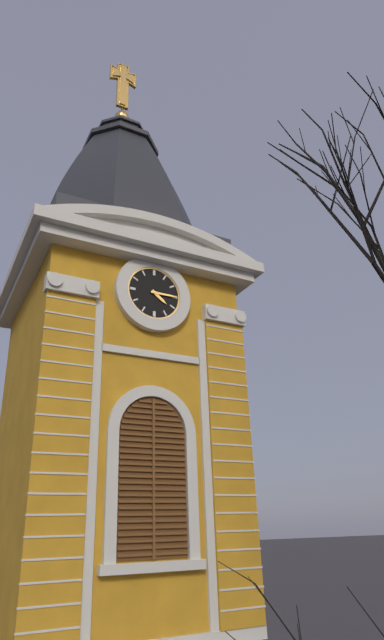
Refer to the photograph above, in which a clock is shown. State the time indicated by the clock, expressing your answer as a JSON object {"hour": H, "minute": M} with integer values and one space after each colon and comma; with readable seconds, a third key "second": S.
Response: {"hour": 4, "minute": 15}
